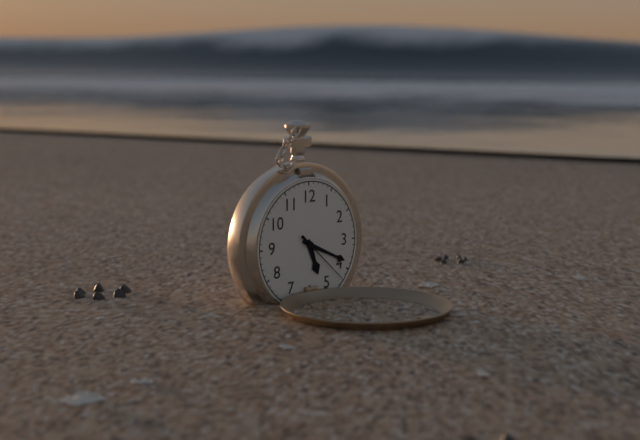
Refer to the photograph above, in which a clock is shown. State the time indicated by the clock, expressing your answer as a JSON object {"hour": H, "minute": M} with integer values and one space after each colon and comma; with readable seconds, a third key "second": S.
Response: {"hour": 5, "minute": 19, "second": 22}
